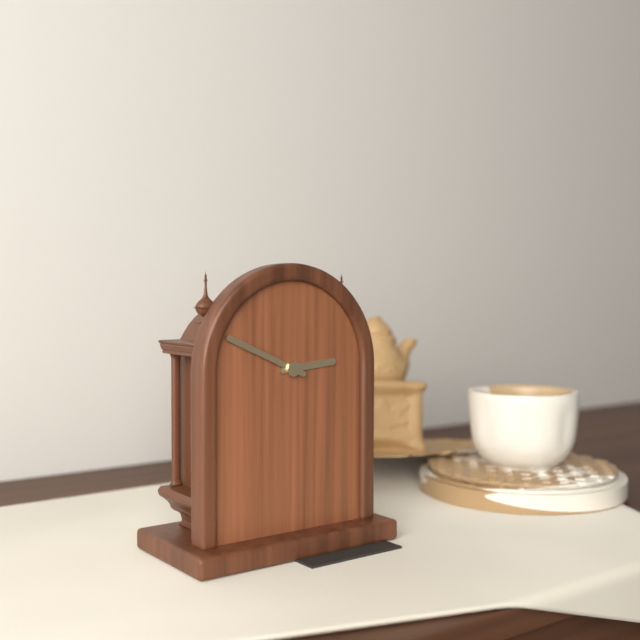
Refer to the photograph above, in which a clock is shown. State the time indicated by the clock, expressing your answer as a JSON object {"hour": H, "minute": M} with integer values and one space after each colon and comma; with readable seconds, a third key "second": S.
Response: {"hour": 2, "minute": 49}
